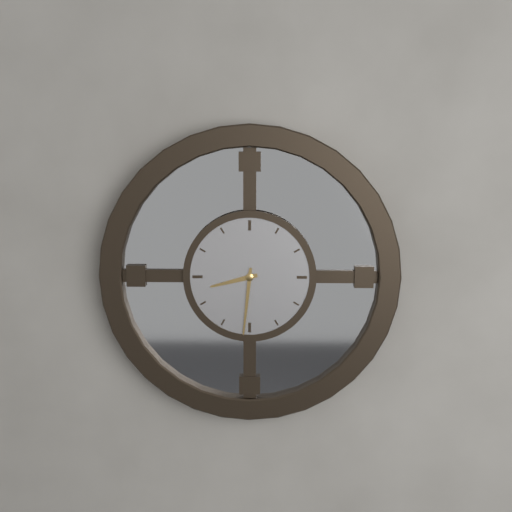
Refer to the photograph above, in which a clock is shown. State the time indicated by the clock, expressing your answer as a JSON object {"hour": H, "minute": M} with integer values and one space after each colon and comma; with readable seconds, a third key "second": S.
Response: {"hour": 8, "minute": 31}
